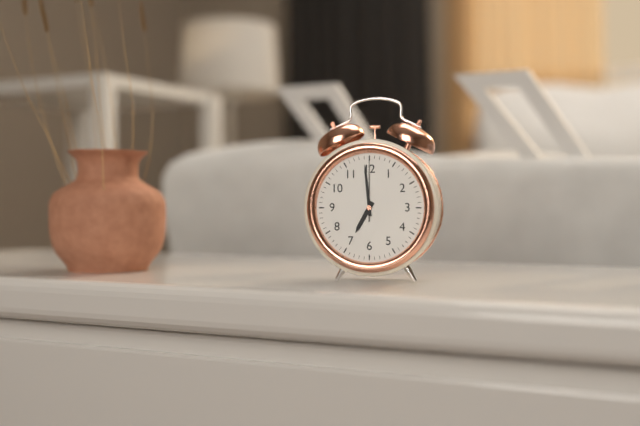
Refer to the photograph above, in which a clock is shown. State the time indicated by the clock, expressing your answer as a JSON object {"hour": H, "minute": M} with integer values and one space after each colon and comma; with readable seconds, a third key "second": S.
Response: {"hour": 6, "minute": 59, "second": 0}
